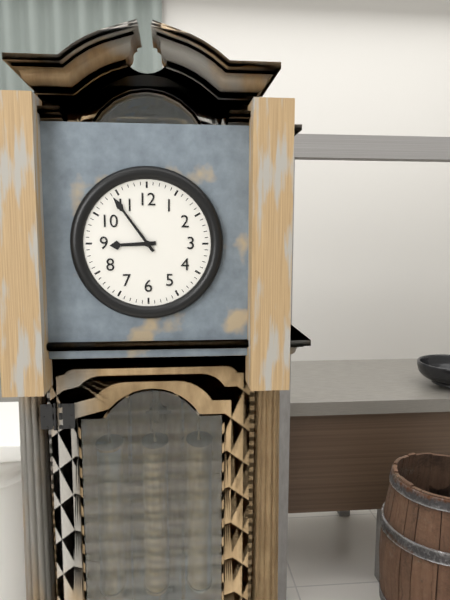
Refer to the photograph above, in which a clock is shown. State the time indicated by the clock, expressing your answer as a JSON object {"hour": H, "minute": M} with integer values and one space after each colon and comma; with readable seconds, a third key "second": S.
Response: {"hour": 8, "minute": 54}
